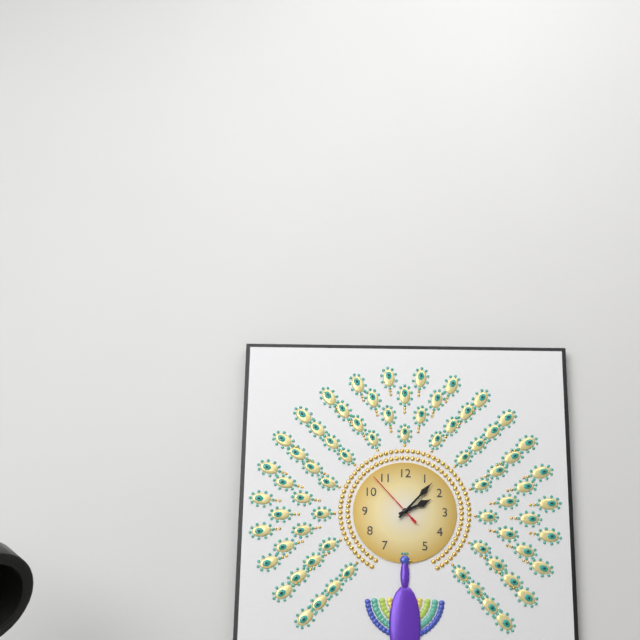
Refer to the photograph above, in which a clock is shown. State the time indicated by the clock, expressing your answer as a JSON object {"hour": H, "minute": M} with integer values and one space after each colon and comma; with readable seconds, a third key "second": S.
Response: {"hour": 2, "minute": 7, "second": 53}
